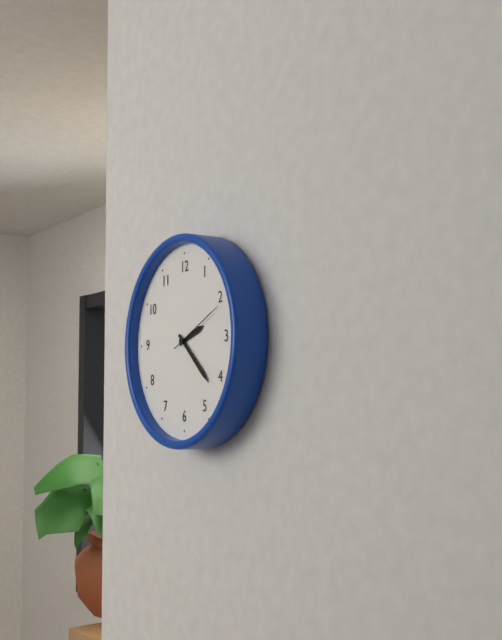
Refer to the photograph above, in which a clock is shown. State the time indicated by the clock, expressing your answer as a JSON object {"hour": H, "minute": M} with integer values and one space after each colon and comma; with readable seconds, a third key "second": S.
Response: {"hour": 2, "minute": 22, "second": 11}
